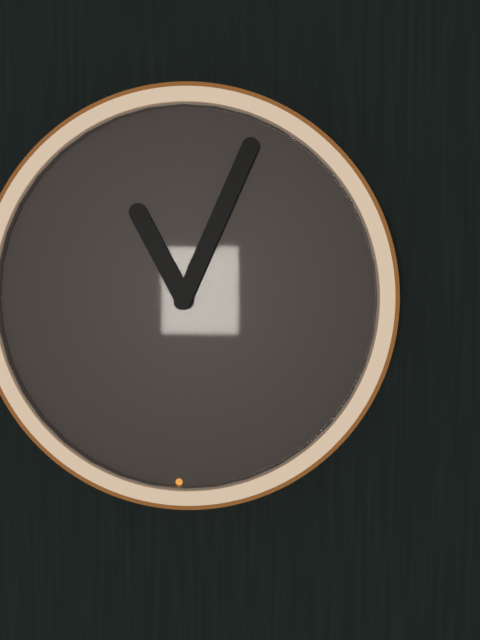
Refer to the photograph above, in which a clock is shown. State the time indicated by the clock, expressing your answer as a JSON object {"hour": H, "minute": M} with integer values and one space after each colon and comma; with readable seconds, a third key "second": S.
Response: {"hour": 11, "minute": 4}
